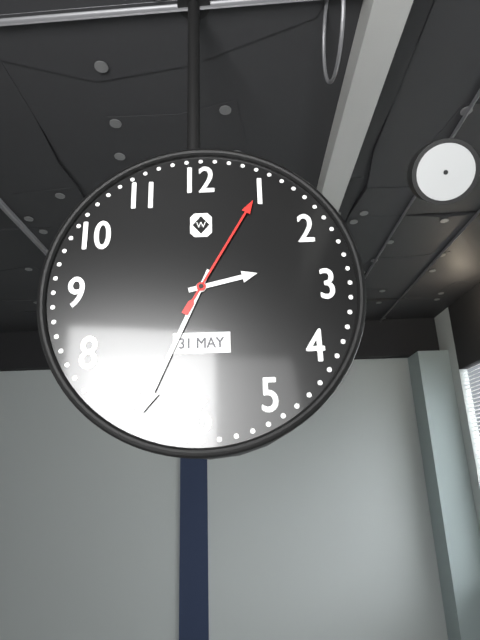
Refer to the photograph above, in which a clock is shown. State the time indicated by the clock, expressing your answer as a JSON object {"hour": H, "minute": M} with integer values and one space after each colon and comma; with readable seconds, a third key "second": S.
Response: {"hour": 2, "minute": 34, "second": 5}
